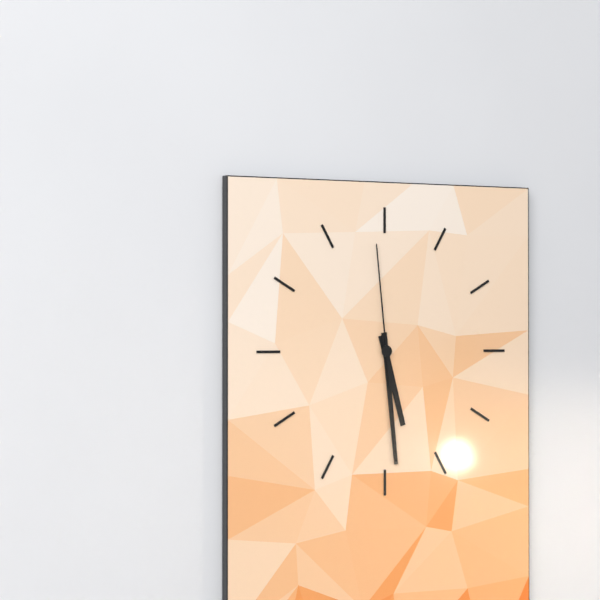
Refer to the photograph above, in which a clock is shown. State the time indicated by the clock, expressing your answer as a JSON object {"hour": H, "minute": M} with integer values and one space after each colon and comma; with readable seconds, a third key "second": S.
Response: {"hour": 5, "minute": 29, "second": 59}
